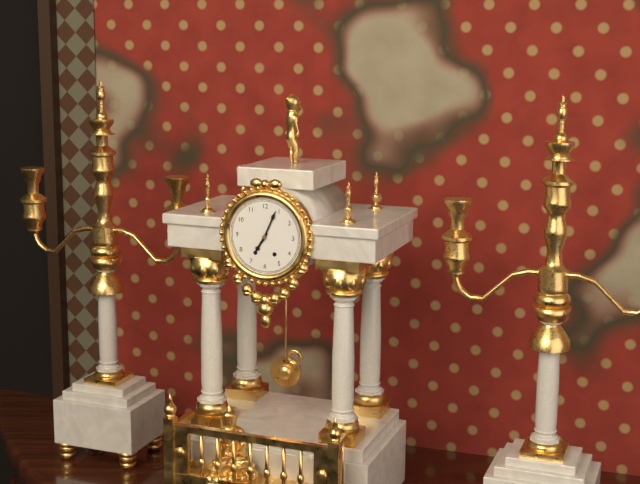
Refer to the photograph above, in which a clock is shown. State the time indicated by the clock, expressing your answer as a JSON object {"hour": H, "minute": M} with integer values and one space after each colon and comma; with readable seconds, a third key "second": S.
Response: {"hour": 7, "minute": 4}
